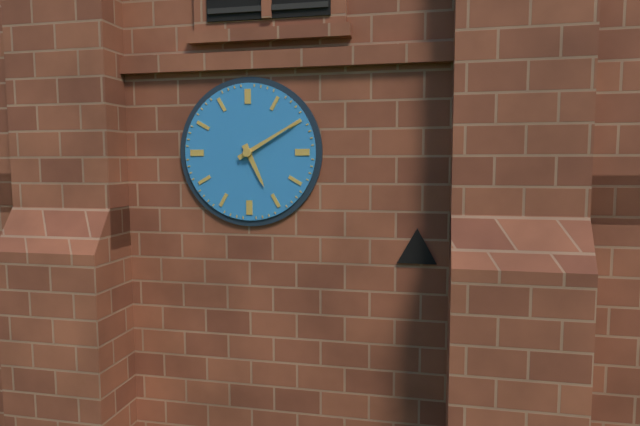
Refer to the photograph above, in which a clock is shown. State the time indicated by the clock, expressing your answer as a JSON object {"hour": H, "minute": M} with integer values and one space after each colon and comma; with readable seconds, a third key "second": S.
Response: {"hour": 5, "minute": 10}
